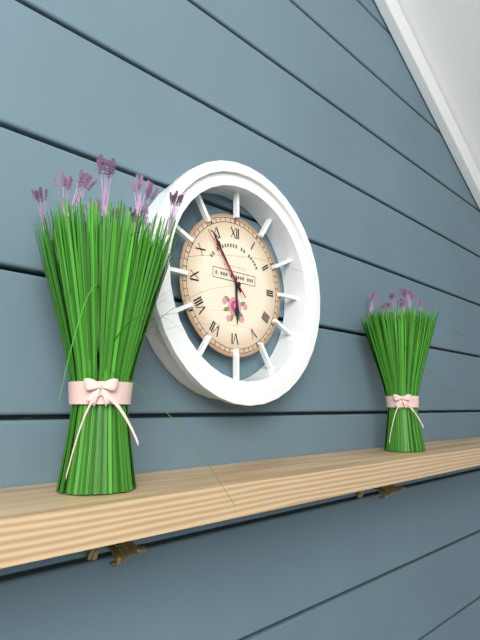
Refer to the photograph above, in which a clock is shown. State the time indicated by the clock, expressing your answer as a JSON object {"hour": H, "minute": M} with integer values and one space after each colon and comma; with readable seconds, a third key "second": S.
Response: {"hour": 5, "minute": 54, "second": 53}
